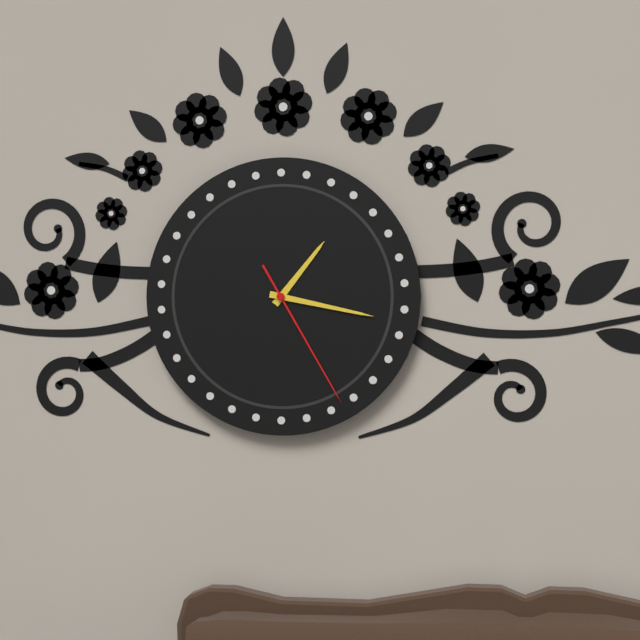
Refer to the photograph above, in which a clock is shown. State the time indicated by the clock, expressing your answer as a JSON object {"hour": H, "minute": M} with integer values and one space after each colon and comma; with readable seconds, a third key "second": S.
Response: {"hour": 1, "minute": 17, "second": 25}
